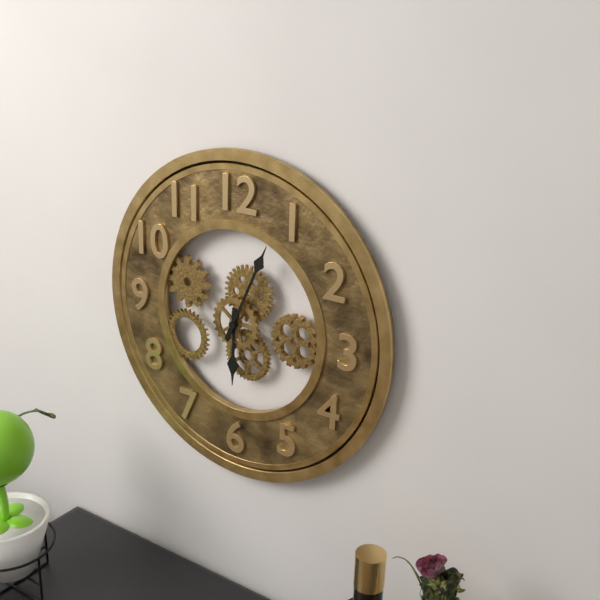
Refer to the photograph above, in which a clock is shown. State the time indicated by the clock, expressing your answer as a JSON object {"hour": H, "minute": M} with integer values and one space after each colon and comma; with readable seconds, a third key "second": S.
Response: {"hour": 6, "minute": 4}
